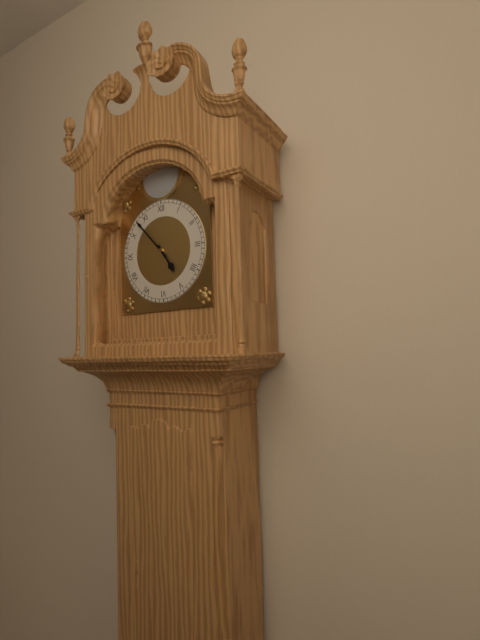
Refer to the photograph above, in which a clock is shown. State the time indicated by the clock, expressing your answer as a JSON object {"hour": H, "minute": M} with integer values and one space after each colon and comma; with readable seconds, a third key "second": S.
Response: {"hour": 4, "minute": 53}
